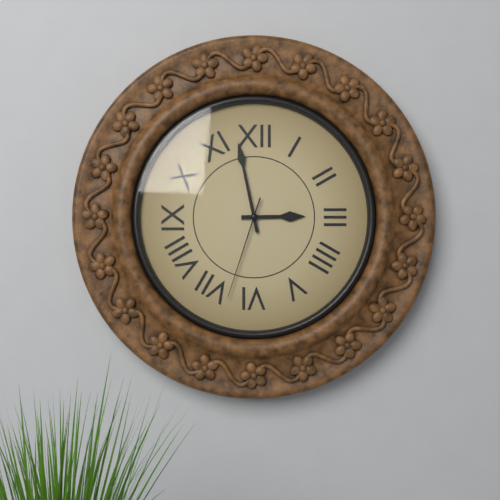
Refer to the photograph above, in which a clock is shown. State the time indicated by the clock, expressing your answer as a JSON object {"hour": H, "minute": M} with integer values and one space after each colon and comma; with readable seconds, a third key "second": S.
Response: {"hour": 2, "minute": 58, "second": 33}
